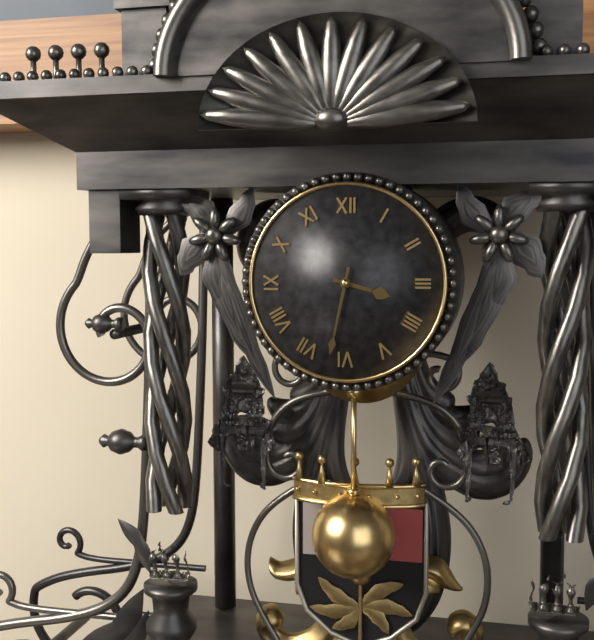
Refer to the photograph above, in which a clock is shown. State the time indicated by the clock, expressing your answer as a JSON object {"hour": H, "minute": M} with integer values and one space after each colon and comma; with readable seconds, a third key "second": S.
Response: {"hour": 3, "minute": 32}
